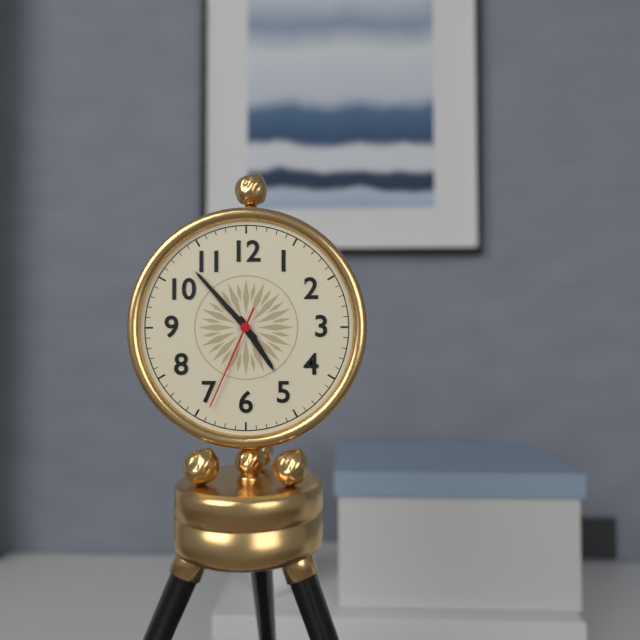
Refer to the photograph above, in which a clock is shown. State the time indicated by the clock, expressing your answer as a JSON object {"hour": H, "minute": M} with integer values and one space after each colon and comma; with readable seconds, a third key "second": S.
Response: {"hour": 4, "minute": 53, "second": 34}
